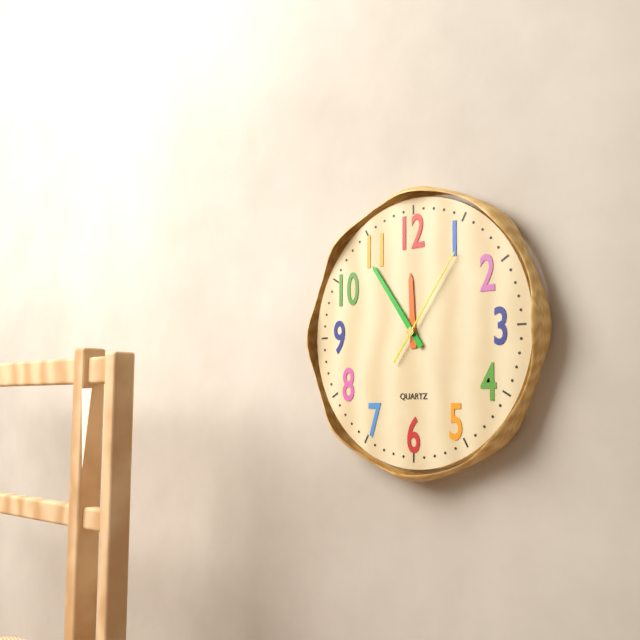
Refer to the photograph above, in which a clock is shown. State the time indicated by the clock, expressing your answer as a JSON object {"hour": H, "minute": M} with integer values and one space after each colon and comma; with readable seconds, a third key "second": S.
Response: {"hour": 11, "minute": 54, "second": 6}
